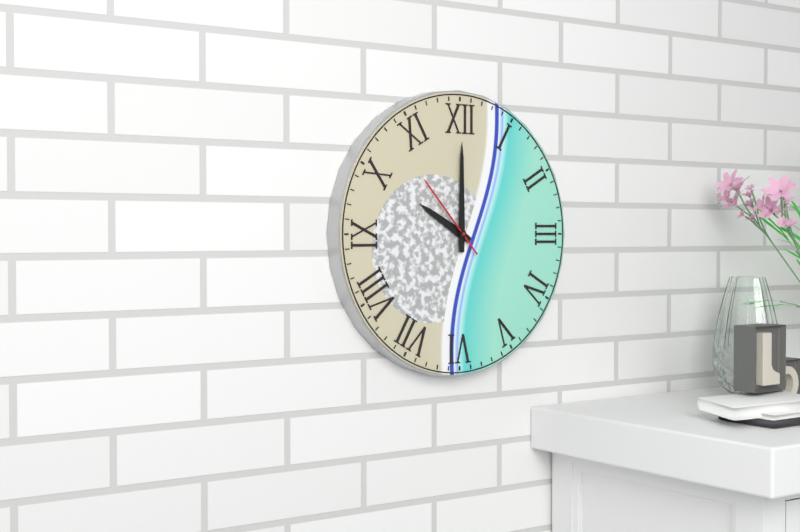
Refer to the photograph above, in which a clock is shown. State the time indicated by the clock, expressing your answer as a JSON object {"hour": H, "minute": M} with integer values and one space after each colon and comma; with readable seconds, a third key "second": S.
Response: {"hour": 10, "minute": 0, "second": 53}
